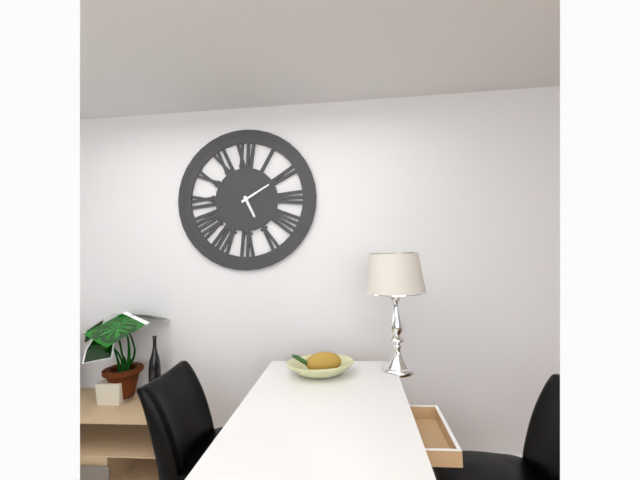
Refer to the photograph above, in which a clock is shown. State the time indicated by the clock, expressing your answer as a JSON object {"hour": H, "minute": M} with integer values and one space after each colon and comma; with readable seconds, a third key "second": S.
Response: {"hour": 5, "minute": 10}
